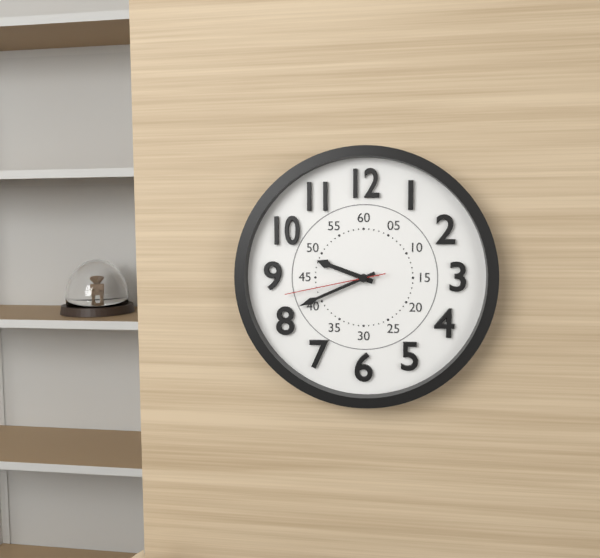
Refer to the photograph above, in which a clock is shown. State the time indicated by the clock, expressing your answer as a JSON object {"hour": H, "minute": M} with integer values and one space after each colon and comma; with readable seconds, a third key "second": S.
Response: {"hour": 9, "minute": 41, "second": 43}
